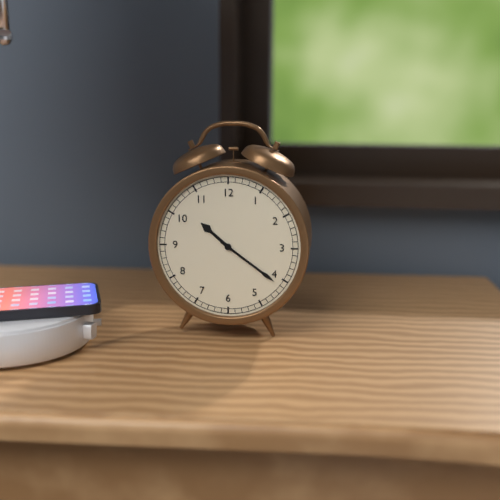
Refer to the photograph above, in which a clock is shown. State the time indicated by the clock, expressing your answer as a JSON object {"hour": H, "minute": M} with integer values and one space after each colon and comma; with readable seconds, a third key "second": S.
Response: {"hour": 10, "minute": 21}
